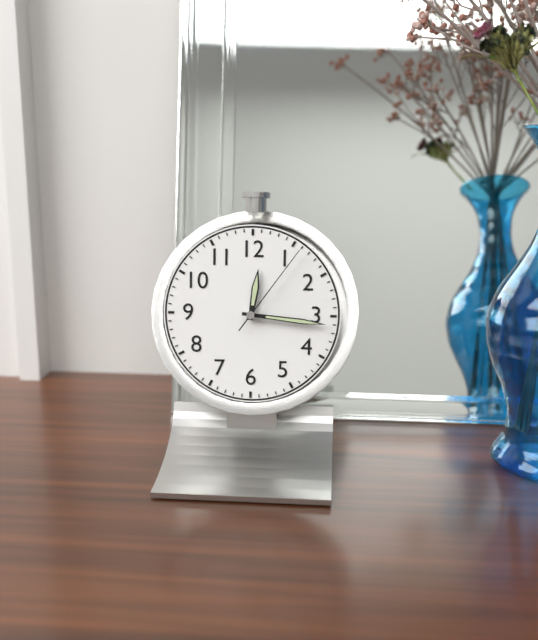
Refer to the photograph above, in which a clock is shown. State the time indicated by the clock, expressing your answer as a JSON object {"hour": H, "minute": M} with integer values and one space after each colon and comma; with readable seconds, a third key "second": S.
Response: {"hour": 12, "minute": 16, "second": 6}
